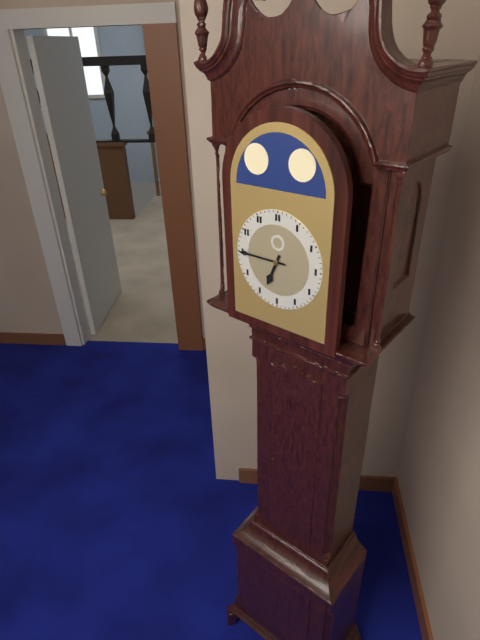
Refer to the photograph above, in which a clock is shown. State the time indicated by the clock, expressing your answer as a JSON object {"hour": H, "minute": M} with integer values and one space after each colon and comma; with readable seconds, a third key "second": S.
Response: {"hour": 6, "minute": 45}
